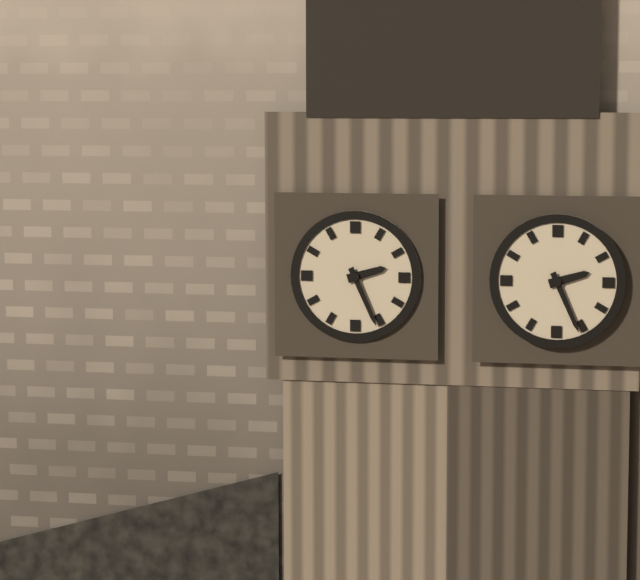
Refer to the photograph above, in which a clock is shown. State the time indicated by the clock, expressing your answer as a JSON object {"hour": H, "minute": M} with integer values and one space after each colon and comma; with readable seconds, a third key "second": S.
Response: {"hour": 2, "minute": 26}
